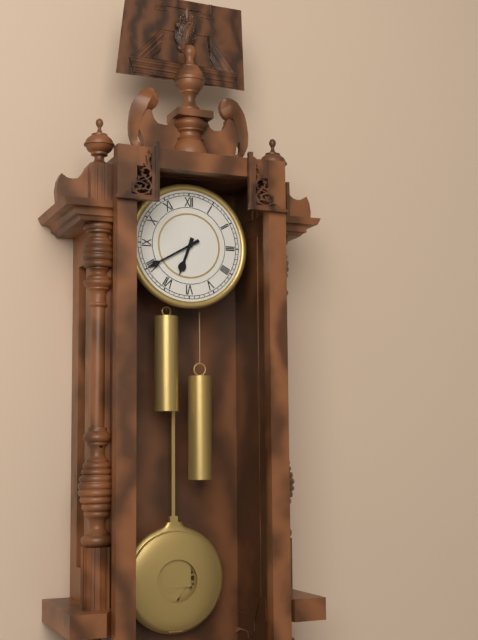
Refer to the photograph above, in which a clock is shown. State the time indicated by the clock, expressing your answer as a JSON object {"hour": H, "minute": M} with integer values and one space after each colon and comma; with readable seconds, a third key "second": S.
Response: {"hour": 6, "minute": 40}
